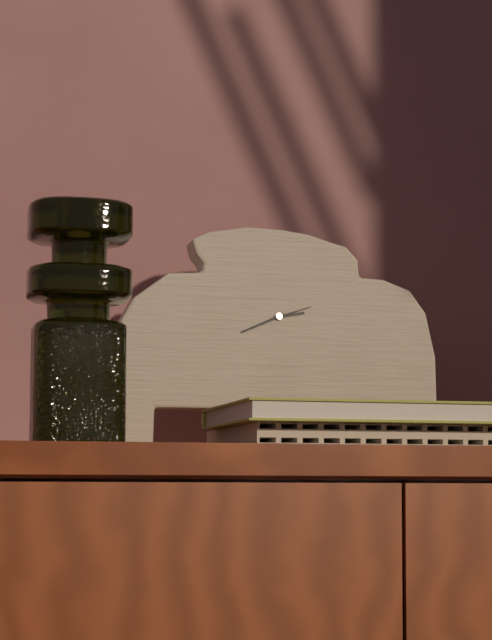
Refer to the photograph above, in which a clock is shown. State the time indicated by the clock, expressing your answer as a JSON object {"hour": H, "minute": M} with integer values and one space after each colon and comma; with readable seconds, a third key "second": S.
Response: {"hour": 2, "minute": 41}
